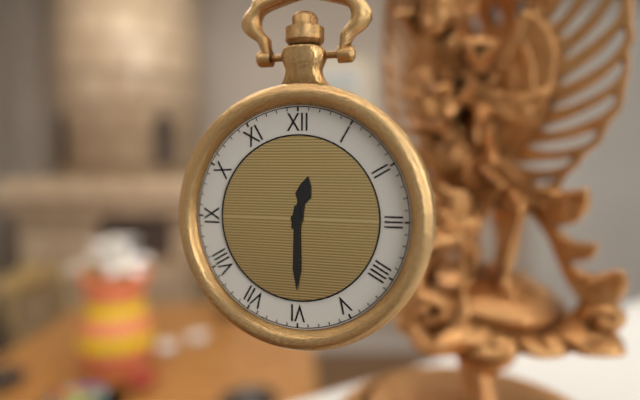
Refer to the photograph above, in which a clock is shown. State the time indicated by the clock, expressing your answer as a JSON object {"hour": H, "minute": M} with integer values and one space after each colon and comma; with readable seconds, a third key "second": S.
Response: {"hour": 12, "minute": 30}
